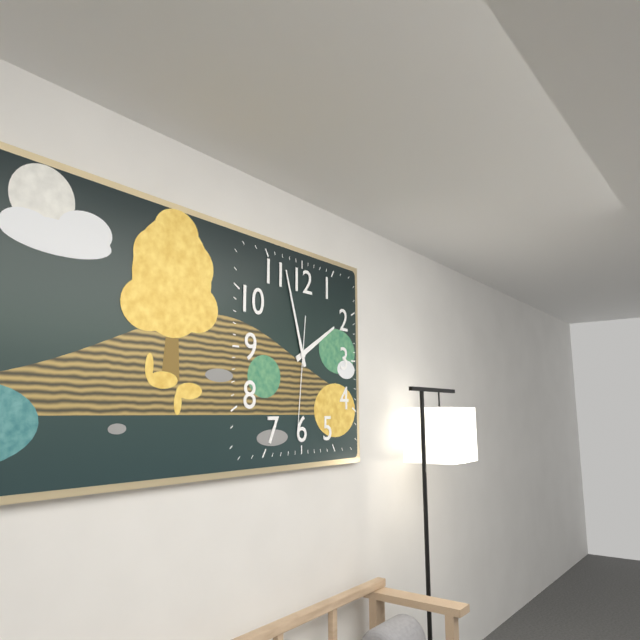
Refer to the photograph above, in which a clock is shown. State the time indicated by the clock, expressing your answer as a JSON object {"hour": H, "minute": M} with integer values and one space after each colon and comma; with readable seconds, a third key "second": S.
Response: {"hour": 1, "minute": 57, "second": 31}
